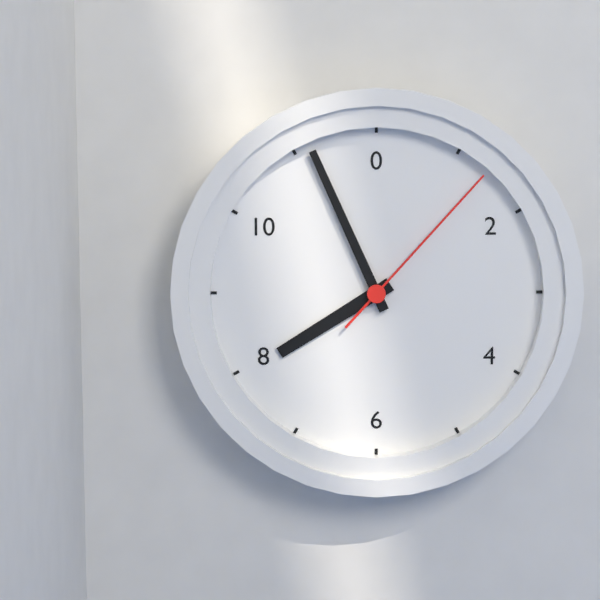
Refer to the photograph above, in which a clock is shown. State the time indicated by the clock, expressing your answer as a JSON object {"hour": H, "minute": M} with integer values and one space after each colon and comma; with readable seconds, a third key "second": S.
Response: {"hour": 7, "minute": 56, "second": 7}
